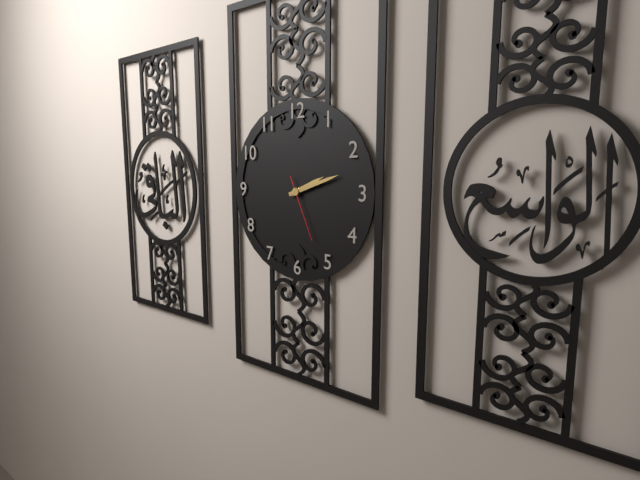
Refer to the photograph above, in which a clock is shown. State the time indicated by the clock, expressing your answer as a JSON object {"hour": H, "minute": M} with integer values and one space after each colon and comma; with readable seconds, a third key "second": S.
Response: {"hour": 2, "minute": 12, "second": 26}
